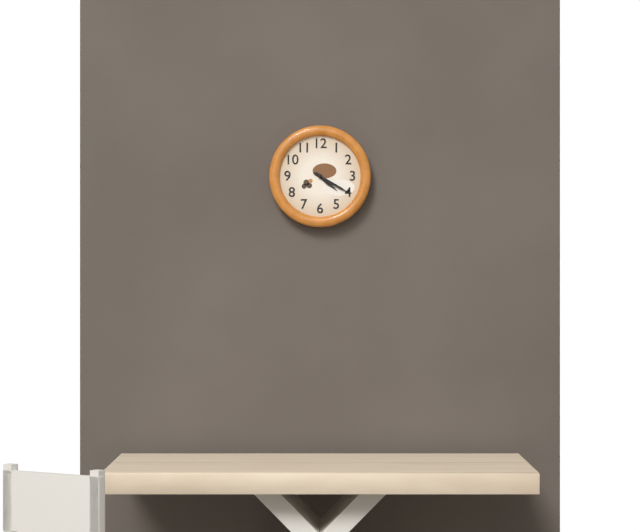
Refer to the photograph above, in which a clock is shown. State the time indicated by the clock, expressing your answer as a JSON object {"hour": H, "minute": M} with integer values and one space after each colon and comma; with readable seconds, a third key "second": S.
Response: {"hour": 4, "minute": 20}
